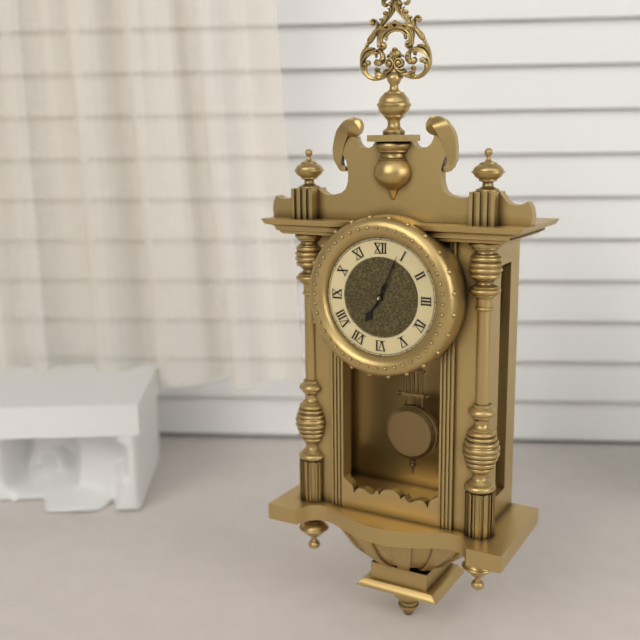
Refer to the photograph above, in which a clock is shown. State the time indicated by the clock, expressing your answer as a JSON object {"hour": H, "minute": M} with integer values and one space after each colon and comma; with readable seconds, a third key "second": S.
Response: {"hour": 7, "minute": 4}
